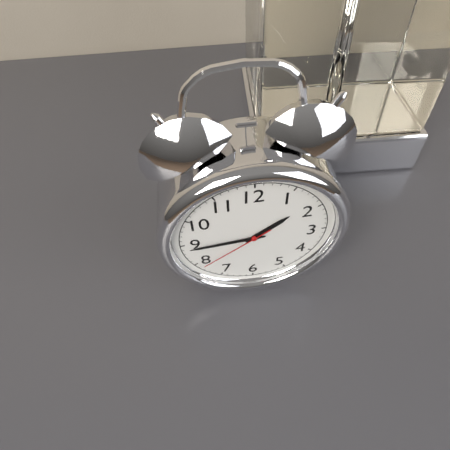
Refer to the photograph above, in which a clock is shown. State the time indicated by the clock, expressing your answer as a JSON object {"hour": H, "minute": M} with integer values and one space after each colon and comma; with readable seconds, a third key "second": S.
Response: {"hour": 1, "minute": 44, "second": 39}
